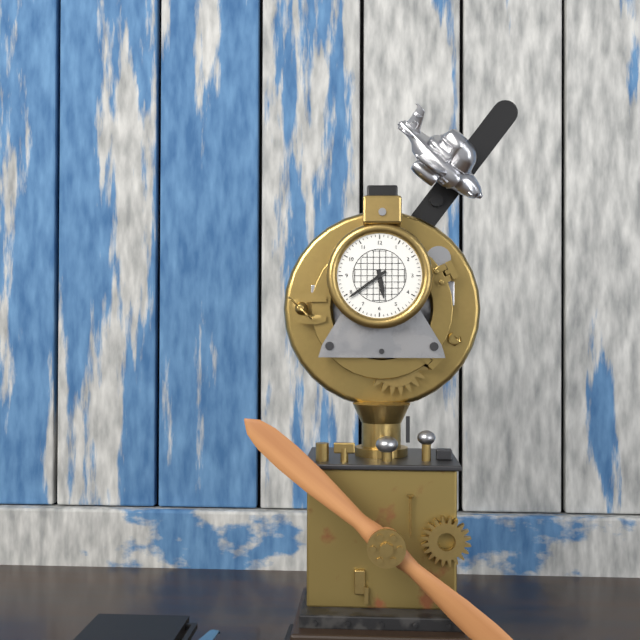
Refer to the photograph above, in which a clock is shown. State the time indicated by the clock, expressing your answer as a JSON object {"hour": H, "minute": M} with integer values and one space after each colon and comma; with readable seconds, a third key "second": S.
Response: {"hour": 5, "minute": 39}
